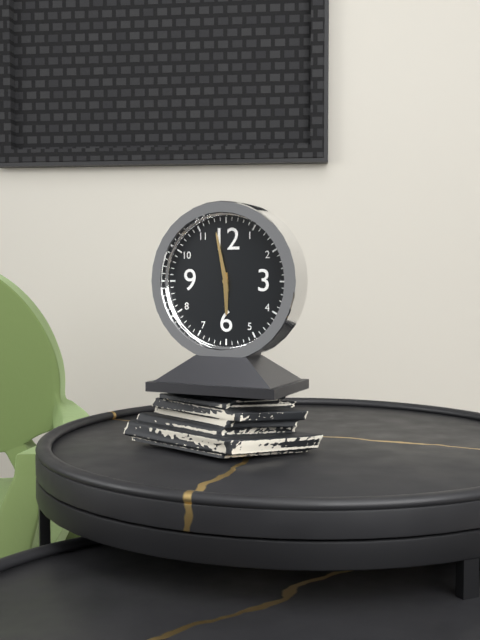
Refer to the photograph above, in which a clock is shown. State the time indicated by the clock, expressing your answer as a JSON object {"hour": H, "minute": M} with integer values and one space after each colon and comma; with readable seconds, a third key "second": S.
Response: {"hour": 5, "minute": 58}
